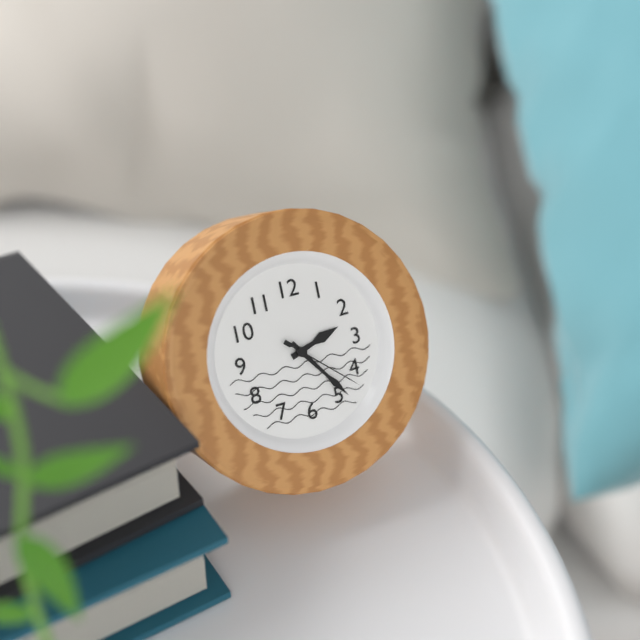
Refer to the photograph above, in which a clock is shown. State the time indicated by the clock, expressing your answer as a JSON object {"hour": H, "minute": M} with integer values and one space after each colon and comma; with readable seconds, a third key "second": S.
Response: {"hour": 2, "minute": 24, "second": 22}
